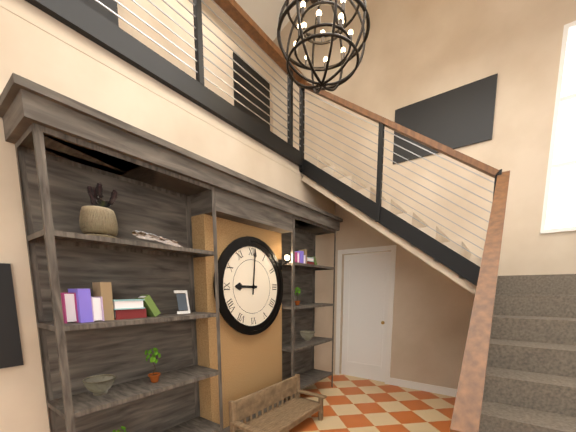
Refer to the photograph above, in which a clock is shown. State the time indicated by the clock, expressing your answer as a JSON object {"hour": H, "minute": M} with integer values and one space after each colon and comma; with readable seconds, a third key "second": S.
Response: {"hour": 9, "minute": 1}
